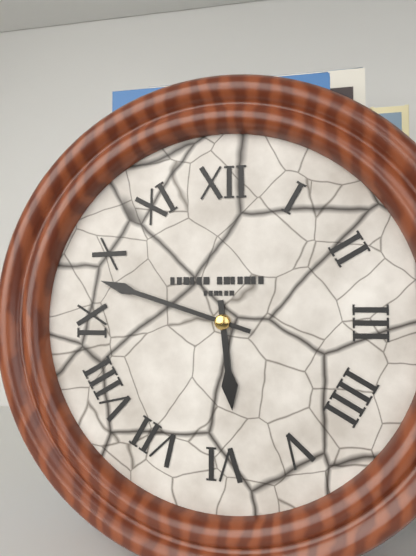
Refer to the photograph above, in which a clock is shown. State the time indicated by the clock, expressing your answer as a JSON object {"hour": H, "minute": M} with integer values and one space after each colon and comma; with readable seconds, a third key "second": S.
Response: {"hour": 5, "minute": 48}
